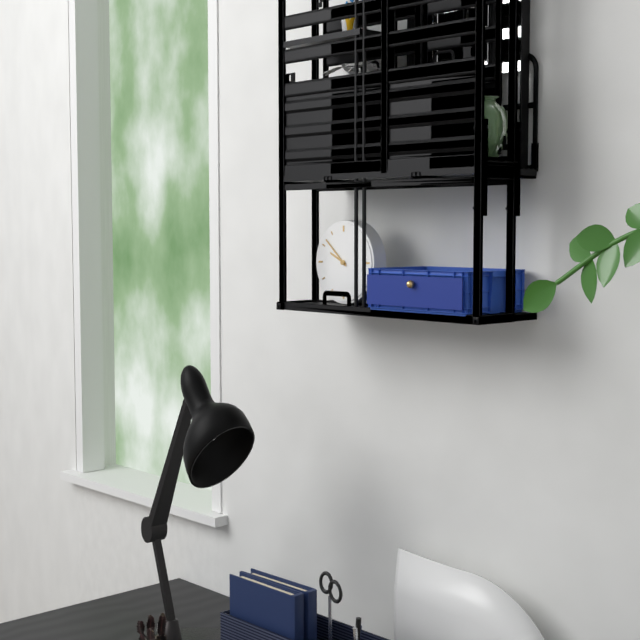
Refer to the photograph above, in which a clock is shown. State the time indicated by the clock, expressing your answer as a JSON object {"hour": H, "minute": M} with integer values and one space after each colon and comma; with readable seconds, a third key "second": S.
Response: {"hour": 9, "minute": 52}
